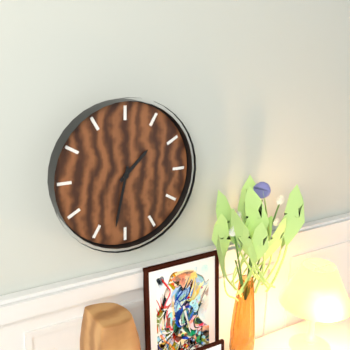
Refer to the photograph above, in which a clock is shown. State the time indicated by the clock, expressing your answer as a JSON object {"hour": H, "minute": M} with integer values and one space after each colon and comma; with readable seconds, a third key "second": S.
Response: {"hour": 1, "minute": 32}
